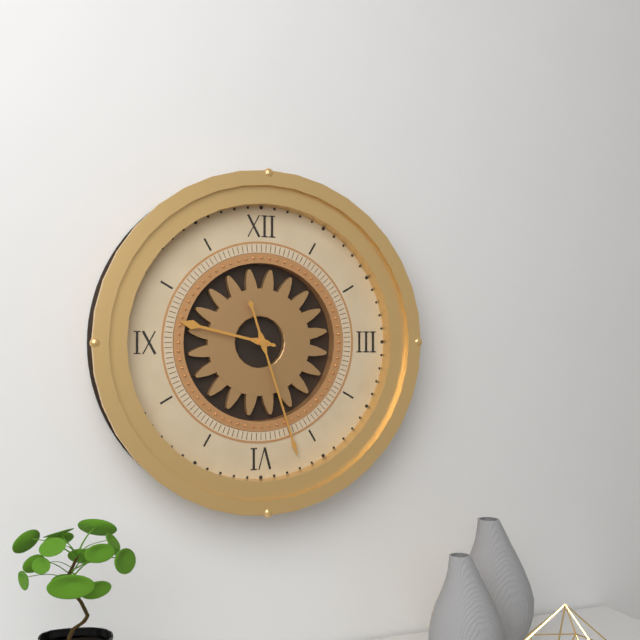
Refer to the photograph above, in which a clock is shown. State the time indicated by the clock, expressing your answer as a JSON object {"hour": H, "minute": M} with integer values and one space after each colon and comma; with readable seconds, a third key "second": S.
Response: {"hour": 9, "minute": 27}
